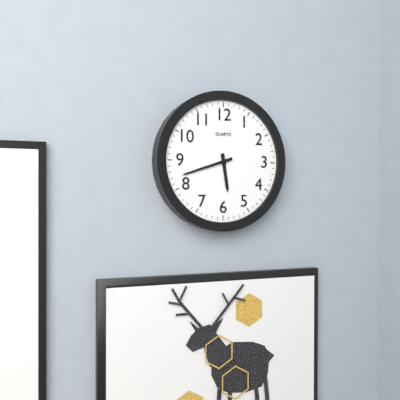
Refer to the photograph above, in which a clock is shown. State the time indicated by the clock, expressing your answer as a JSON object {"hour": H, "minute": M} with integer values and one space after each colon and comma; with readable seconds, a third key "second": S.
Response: {"hour": 5, "minute": 42}
